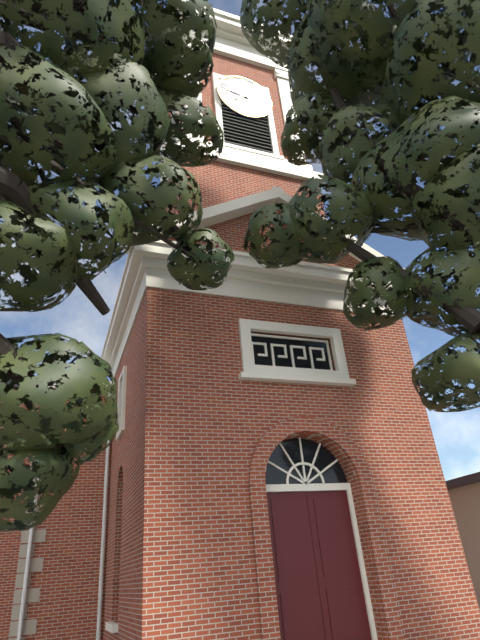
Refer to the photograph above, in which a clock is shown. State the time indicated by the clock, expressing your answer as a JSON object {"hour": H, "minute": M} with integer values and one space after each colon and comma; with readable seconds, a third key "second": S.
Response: {"hour": 7, "minute": 47}
